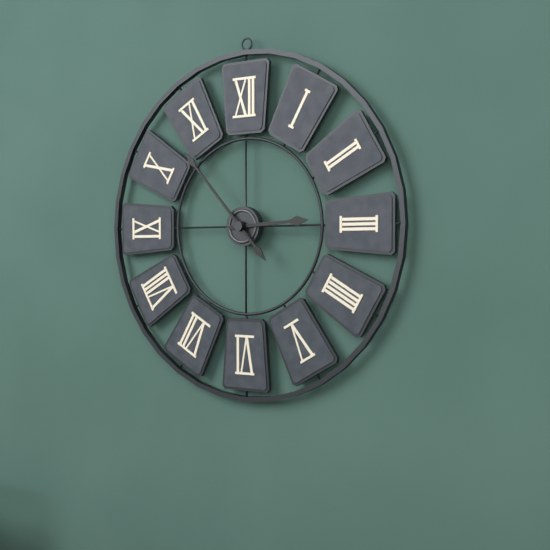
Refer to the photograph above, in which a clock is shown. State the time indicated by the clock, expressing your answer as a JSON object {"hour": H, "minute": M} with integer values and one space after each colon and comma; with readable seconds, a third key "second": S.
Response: {"hour": 2, "minute": 53}
